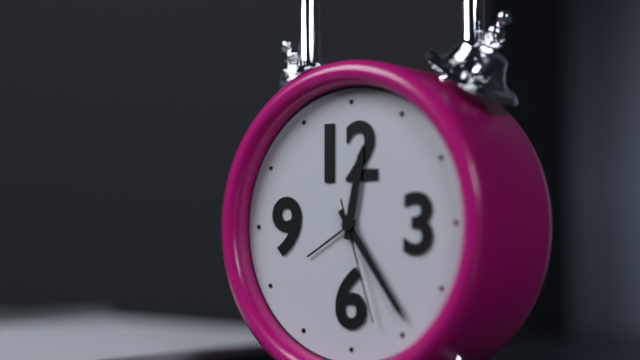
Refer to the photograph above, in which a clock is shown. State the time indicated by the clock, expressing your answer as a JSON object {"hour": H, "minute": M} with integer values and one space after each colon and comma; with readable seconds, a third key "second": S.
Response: {"hour": 12, "minute": 24, "second": 27}
